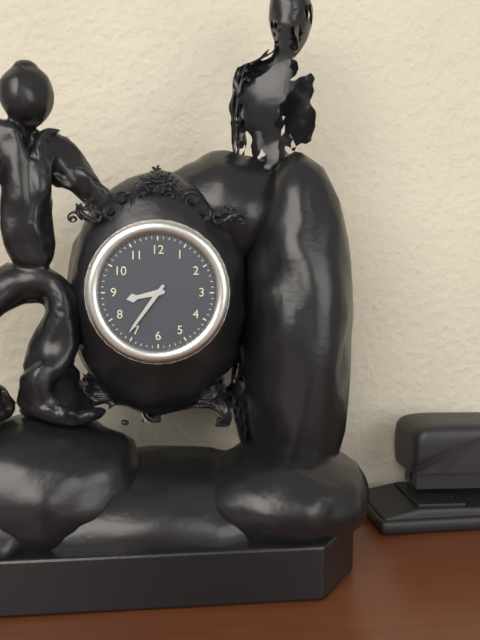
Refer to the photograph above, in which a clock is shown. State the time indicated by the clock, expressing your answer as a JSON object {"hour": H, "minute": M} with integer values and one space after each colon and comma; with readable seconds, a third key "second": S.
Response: {"hour": 8, "minute": 36}
